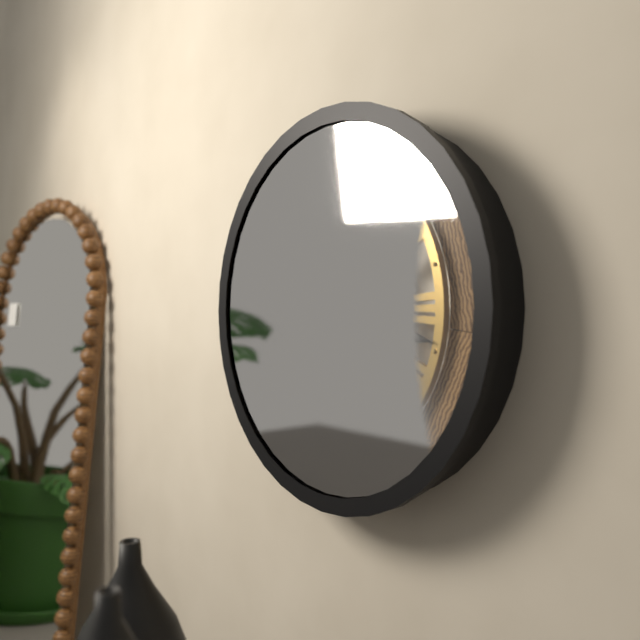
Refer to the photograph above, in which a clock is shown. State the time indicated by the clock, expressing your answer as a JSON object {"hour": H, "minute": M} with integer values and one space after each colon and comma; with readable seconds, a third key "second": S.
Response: {"hour": 8, "minute": 17}
